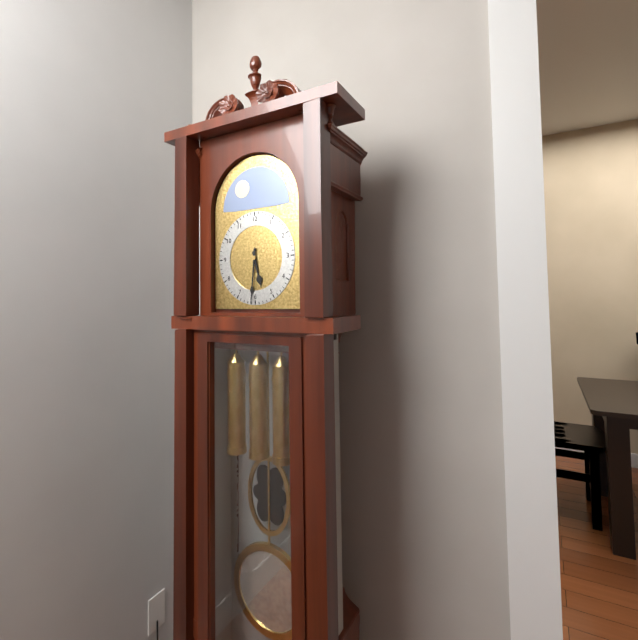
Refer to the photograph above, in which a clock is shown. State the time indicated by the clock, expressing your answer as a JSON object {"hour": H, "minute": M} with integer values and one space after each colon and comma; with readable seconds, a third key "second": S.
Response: {"hour": 5, "minute": 31}
